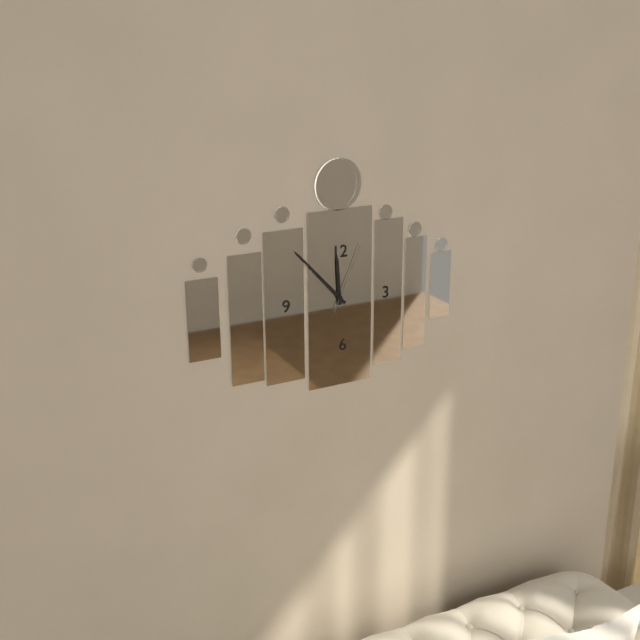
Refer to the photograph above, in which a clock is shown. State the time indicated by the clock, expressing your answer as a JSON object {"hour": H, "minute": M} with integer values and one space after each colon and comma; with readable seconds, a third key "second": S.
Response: {"hour": 11, "minute": 53, "second": 4}
